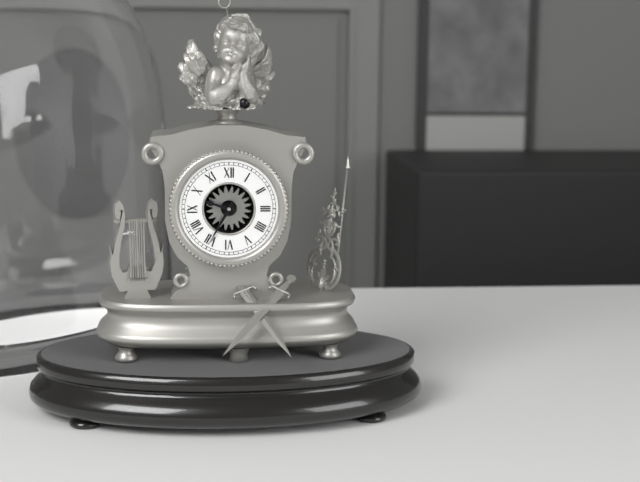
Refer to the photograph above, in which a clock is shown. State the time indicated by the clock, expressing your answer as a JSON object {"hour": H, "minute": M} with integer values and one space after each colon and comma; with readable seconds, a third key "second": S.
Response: {"hour": 9, "minute": 35}
